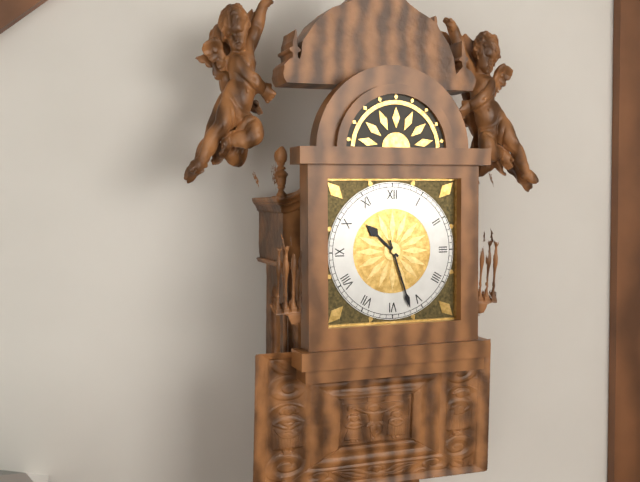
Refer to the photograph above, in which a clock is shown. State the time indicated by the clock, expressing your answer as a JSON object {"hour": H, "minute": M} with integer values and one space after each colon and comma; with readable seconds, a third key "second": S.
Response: {"hour": 10, "minute": 27}
